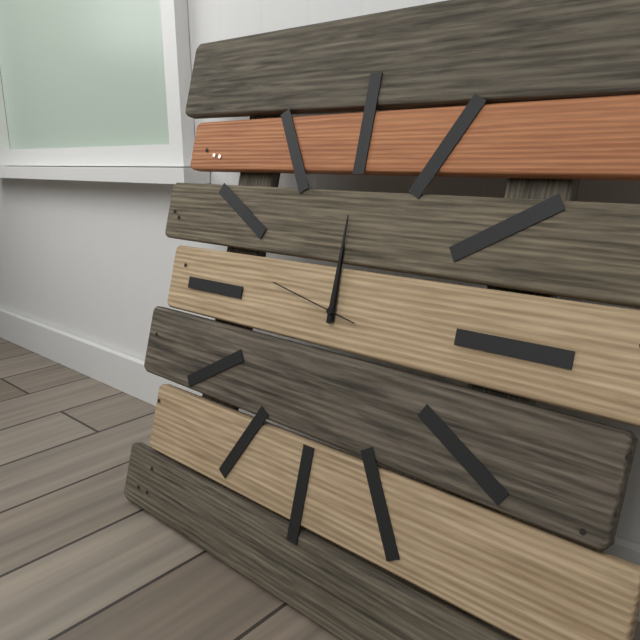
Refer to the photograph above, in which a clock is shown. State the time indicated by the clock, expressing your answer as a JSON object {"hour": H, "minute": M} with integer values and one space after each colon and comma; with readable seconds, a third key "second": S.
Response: {"hour": 12, "minute": 0, "second": 47}
